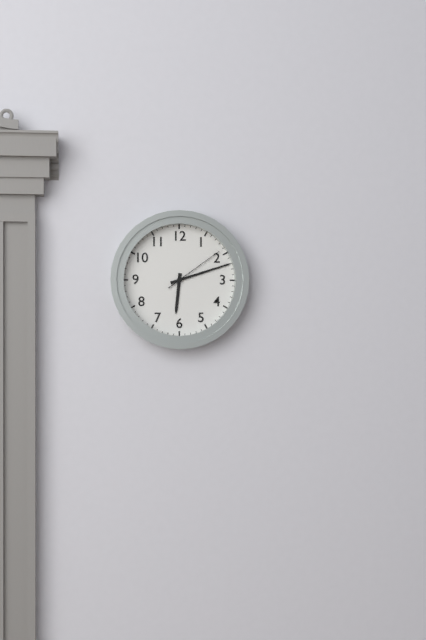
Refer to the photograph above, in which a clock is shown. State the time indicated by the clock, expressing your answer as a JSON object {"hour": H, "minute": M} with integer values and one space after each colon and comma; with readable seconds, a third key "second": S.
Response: {"hour": 6, "minute": 12, "second": 9}
